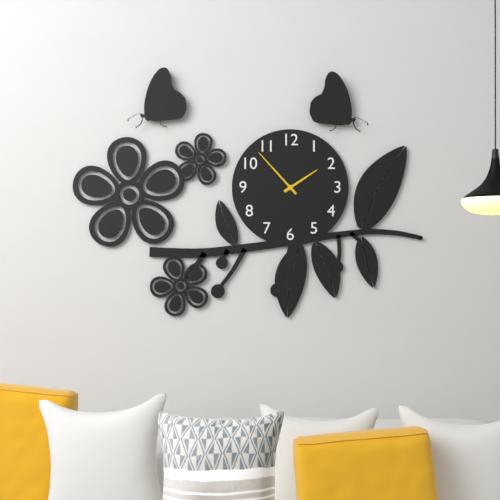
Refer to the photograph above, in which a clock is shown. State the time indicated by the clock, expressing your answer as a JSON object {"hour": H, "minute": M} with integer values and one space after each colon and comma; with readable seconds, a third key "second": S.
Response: {"hour": 1, "minute": 53}
